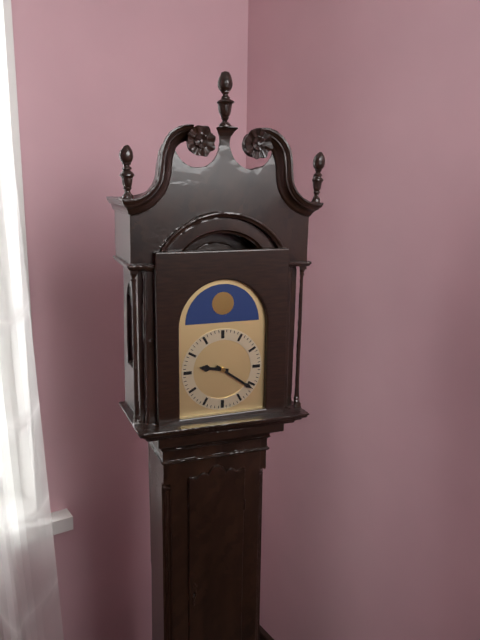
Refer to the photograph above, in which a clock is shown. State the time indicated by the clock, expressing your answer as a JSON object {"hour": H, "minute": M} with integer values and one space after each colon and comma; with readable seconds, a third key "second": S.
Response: {"hour": 9, "minute": 21}
